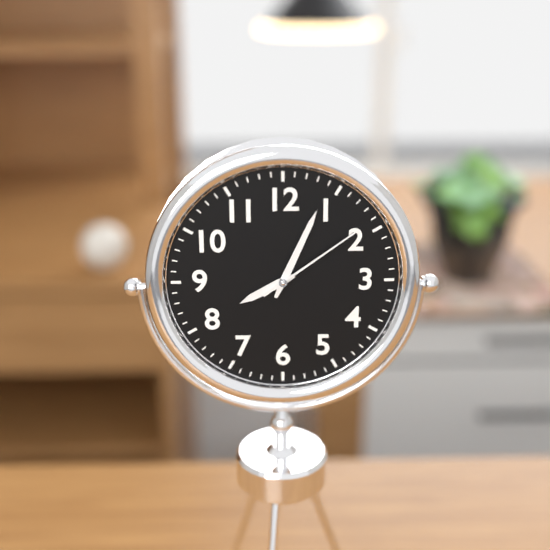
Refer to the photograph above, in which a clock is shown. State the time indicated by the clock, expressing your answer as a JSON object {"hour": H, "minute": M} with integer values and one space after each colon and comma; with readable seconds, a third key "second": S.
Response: {"hour": 8, "minute": 4, "second": 9}
